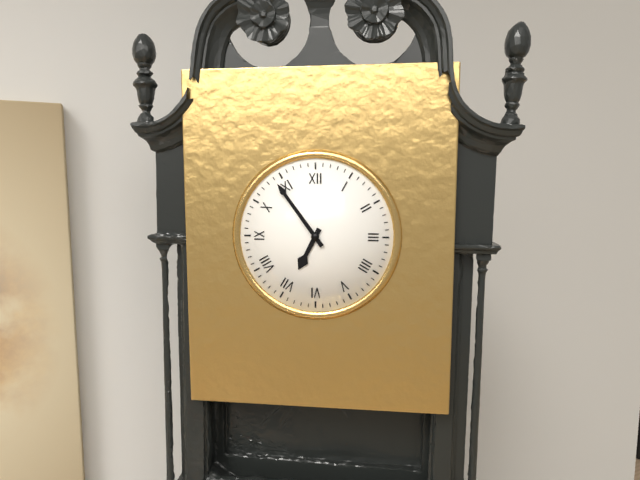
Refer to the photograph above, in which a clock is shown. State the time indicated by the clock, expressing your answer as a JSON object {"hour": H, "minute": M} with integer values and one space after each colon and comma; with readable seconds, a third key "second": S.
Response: {"hour": 6, "minute": 54}
